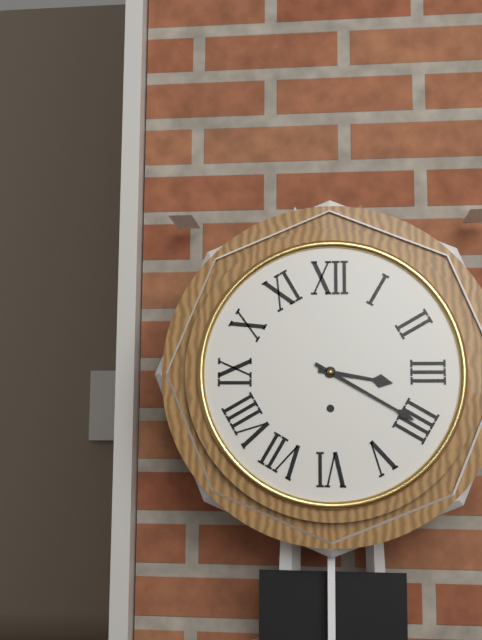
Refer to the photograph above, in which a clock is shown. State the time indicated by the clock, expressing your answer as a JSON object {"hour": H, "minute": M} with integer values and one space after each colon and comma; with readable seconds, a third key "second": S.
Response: {"hour": 3, "minute": 20}
